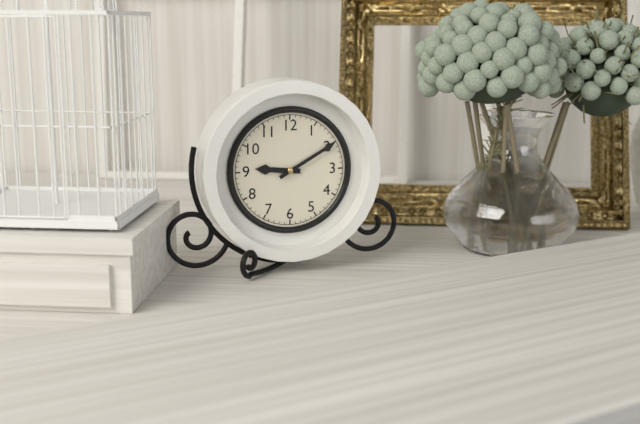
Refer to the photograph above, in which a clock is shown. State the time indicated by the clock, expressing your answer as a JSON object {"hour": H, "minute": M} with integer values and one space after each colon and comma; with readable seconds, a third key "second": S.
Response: {"hour": 9, "minute": 10}
